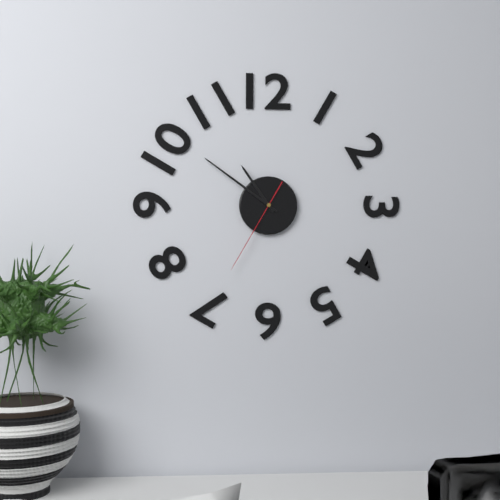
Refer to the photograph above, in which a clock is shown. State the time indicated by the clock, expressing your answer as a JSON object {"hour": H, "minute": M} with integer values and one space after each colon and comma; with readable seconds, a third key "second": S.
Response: {"hour": 10, "minute": 51, "second": 35}
